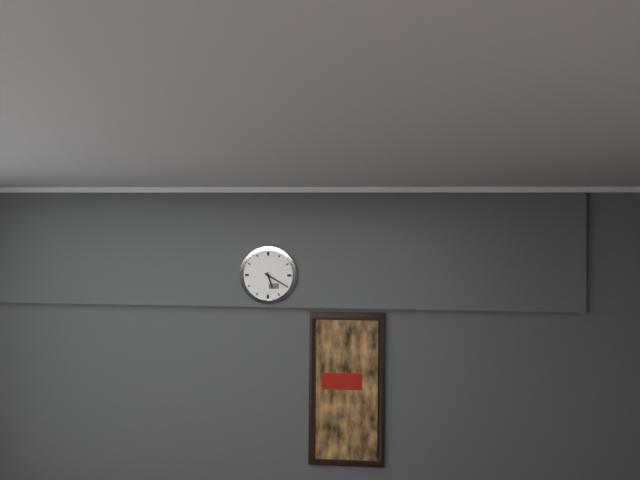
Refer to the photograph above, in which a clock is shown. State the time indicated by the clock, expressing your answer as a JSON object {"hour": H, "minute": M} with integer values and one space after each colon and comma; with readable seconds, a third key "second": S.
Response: {"hour": 5, "minute": 20}
